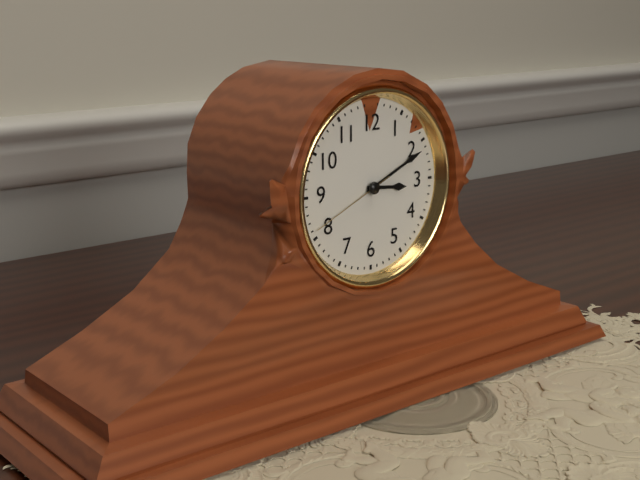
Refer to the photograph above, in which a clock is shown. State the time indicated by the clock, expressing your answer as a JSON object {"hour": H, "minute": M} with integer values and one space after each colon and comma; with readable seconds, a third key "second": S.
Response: {"hour": 3, "minute": 11, "second": 41}
